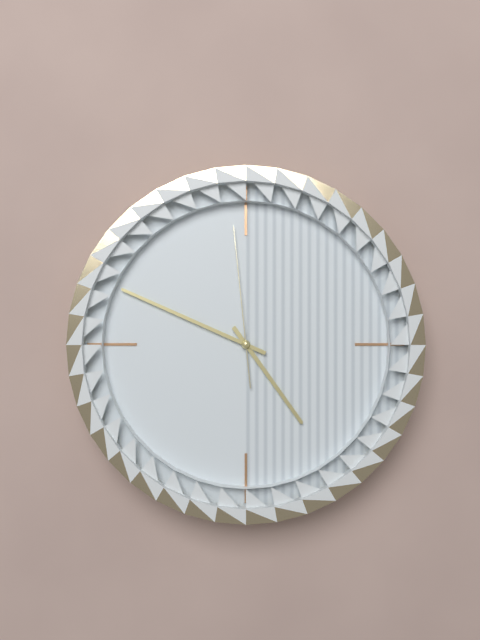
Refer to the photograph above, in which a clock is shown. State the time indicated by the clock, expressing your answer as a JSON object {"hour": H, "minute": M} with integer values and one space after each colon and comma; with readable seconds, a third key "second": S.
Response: {"hour": 4, "minute": 49, "second": 59}
